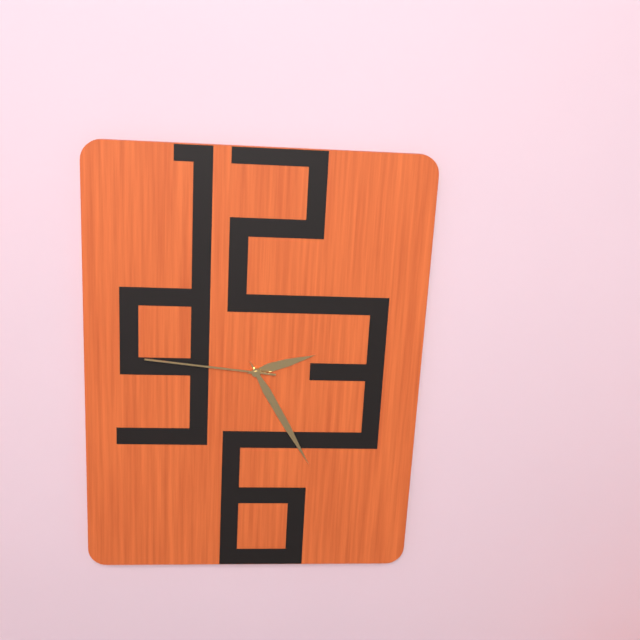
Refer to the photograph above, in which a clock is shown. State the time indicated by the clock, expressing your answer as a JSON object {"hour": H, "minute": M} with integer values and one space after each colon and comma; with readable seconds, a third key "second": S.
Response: {"hour": 2, "minute": 25, "second": 46}
